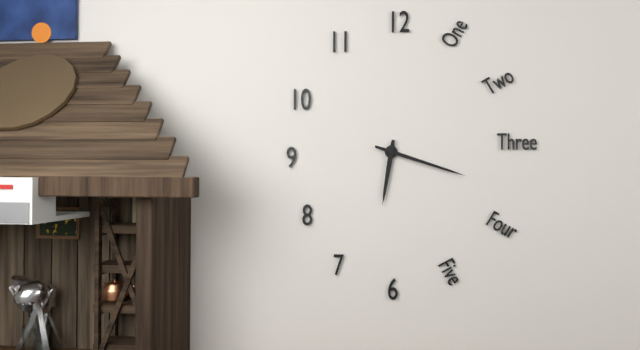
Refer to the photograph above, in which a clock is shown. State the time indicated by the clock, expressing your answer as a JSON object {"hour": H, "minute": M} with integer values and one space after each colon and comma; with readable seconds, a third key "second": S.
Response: {"hour": 6, "minute": 18}
